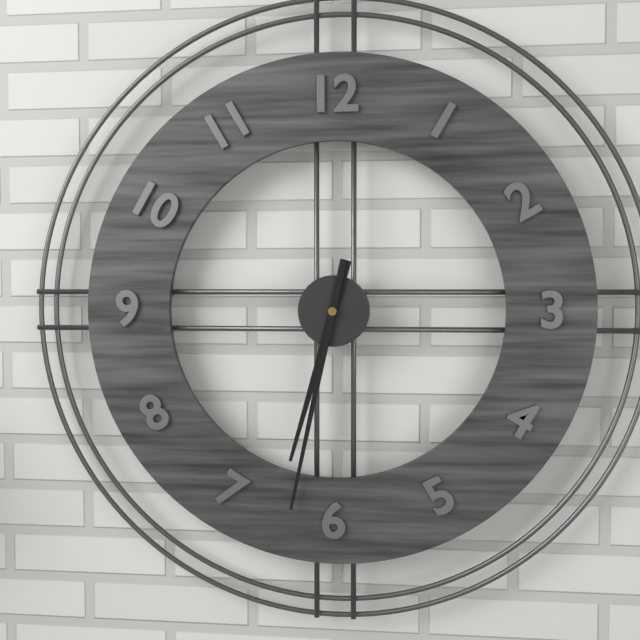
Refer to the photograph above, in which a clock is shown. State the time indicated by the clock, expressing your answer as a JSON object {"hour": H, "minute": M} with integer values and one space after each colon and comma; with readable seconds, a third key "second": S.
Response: {"hour": 6, "minute": 32}
